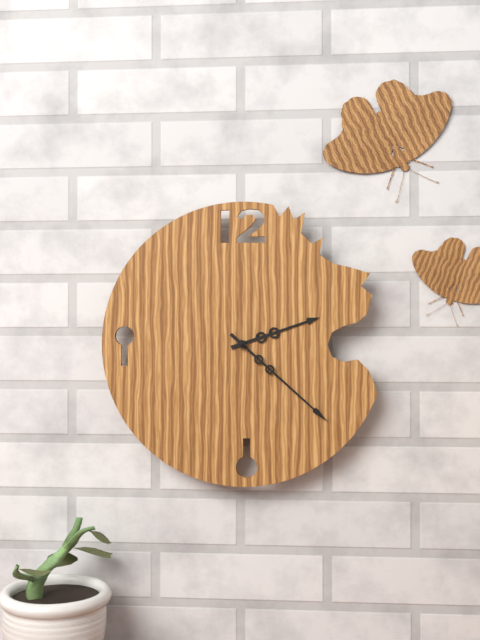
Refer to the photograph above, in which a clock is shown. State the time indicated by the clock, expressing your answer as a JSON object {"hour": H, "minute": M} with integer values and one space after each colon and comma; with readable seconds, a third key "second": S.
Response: {"hour": 2, "minute": 22}
